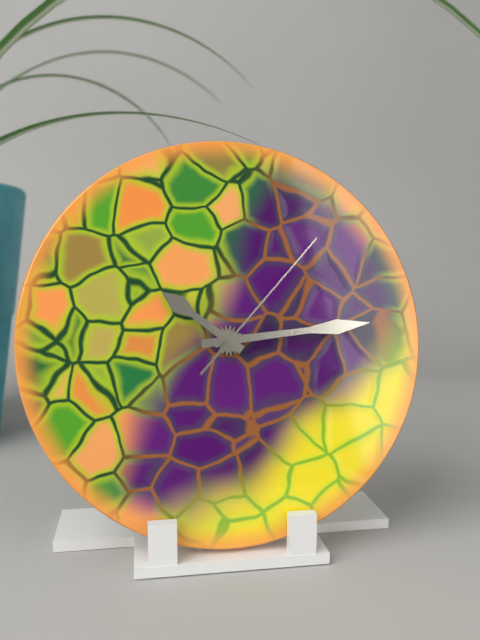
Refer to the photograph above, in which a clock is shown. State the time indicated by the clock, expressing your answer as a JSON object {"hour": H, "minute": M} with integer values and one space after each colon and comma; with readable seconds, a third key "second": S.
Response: {"hour": 10, "minute": 14, "second": 7}
